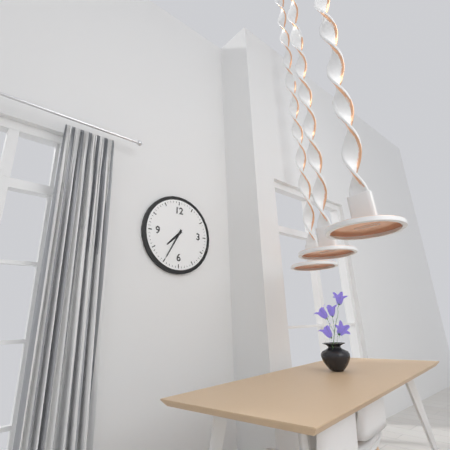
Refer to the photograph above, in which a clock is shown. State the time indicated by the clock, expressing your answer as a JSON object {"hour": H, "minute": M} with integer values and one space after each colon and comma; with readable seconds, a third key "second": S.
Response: {"hour": 7, "minute": 35}
